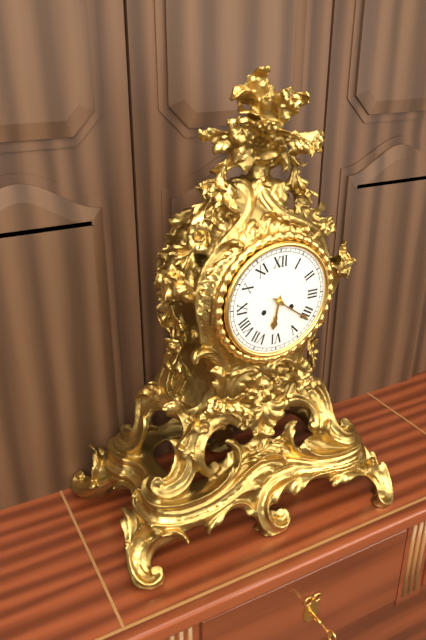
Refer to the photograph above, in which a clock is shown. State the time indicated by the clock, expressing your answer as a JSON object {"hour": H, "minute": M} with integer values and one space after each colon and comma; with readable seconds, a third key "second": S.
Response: {"hour": 6, "minute": 21}
